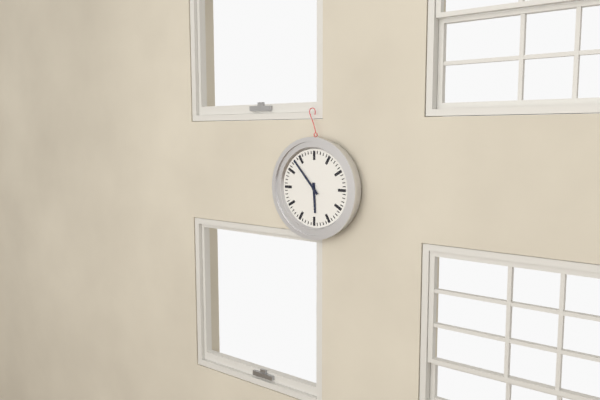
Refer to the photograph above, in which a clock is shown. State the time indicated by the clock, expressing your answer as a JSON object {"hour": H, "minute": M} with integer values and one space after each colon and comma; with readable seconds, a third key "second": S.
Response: {"hour": 5, "minute": 53}
